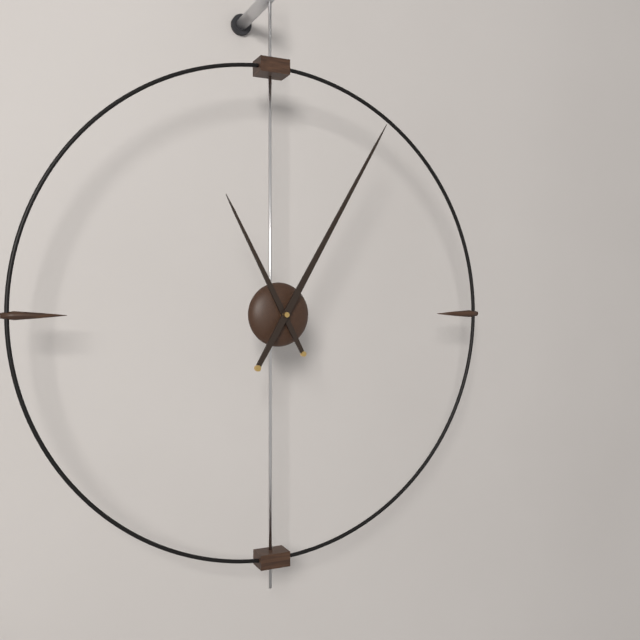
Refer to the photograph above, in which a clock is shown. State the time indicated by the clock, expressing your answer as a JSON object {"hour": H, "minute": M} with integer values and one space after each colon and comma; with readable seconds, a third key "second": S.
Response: {"hour": 11, "minute": 5}
